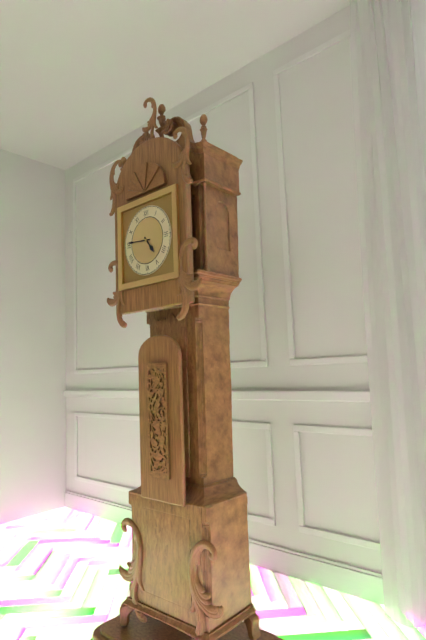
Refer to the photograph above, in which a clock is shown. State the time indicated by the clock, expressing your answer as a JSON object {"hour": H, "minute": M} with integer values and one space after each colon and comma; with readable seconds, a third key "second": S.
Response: {"hour": 4, "minute": 46}
